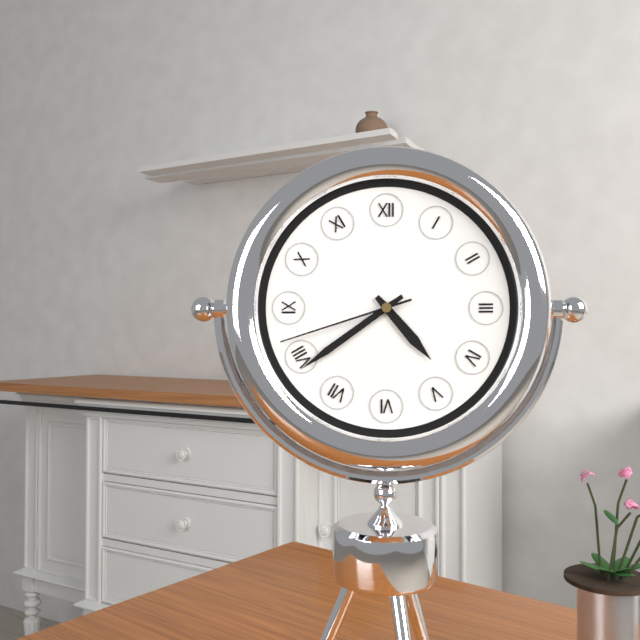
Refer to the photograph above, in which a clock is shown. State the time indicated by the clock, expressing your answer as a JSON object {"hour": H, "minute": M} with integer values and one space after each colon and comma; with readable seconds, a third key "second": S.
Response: {"hour": 4, "minute": 39, "second": 42}
